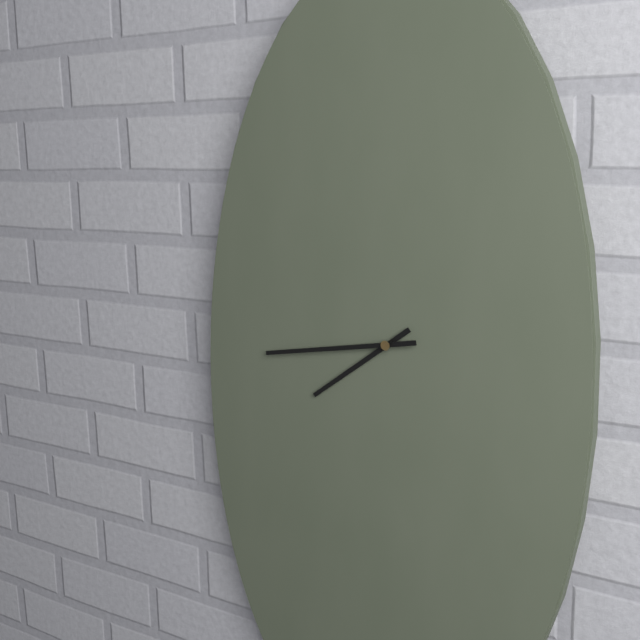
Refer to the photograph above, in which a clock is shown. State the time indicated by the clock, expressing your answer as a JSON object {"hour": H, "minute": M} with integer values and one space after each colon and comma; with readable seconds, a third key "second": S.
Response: {"hour": 7, "minute": 43}
